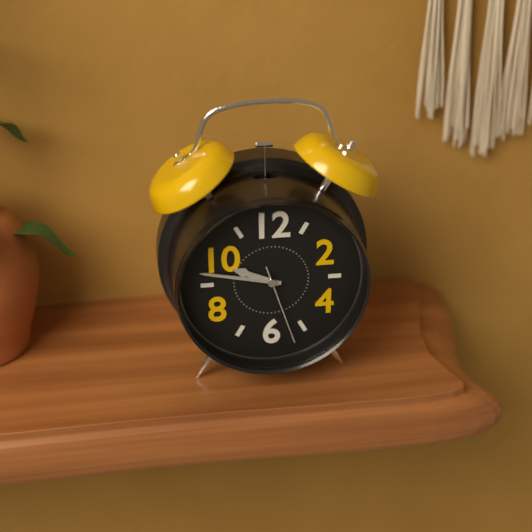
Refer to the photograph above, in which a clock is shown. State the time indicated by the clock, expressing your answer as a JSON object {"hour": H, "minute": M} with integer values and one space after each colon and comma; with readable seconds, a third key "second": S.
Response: {"hour": 9, "minute": 47, "second": 27}
